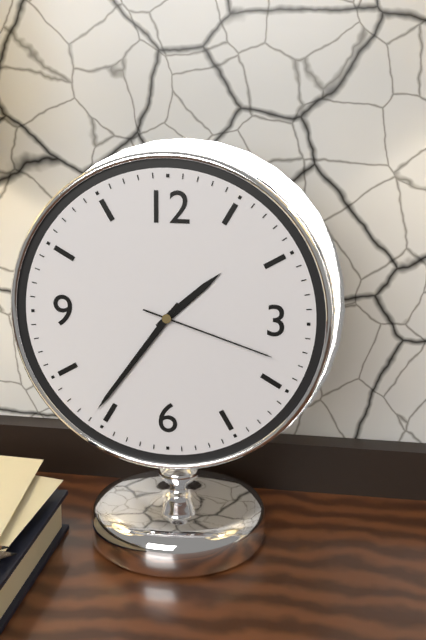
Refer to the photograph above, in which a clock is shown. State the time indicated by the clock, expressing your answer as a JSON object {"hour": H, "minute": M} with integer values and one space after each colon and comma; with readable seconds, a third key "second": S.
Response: {"hour": 1, "minute": 36, "second": 18}
